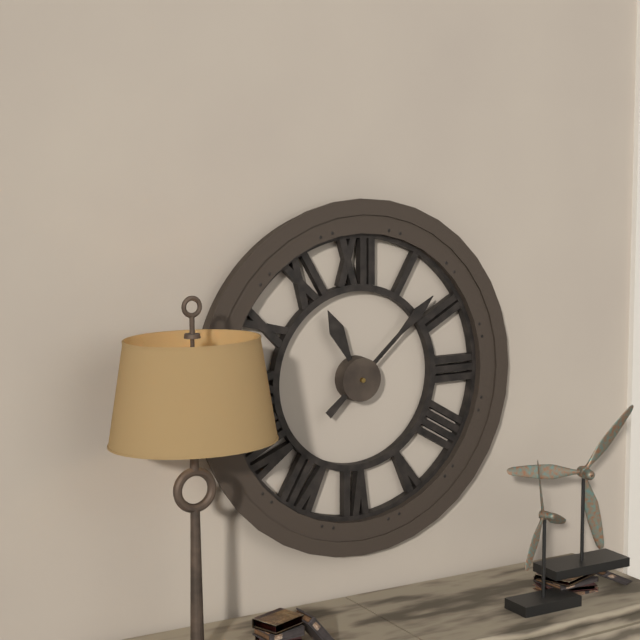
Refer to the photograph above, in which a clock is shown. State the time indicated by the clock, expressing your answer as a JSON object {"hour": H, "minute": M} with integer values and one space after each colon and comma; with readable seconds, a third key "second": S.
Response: {"hour": 11, "minute": 8}
